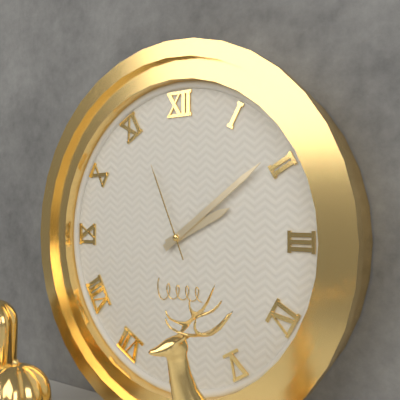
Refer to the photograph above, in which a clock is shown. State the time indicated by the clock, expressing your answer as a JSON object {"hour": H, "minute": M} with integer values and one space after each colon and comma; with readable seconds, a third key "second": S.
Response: {"hour": 2, "minute": 9, "second": 56}
